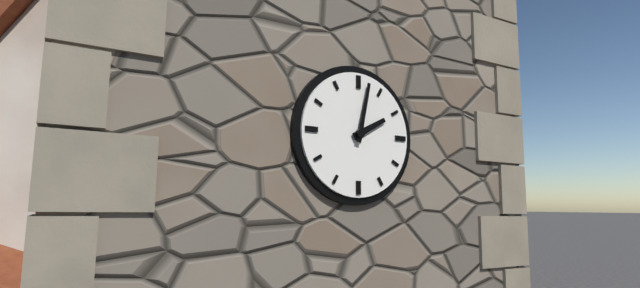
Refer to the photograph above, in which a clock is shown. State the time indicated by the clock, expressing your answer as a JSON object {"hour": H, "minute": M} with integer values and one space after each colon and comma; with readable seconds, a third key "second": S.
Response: {"hour": 2, "minute": 2}
